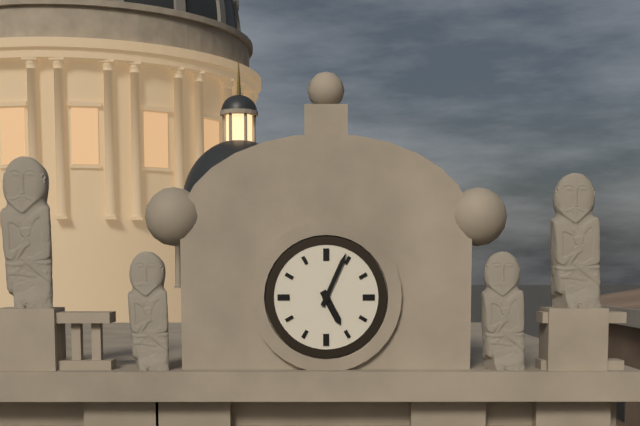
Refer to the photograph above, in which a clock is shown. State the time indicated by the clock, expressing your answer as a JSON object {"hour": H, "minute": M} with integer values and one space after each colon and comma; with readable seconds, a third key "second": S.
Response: {"hour": 5, "minute": 4}
